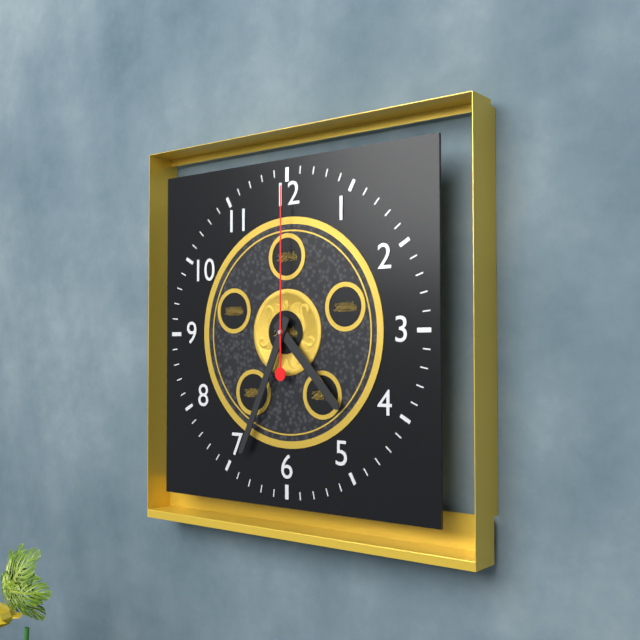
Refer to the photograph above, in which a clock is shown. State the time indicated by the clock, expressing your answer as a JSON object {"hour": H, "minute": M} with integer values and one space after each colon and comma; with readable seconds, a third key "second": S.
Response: {"hour": 4, "minute": 34, "second": 0}
